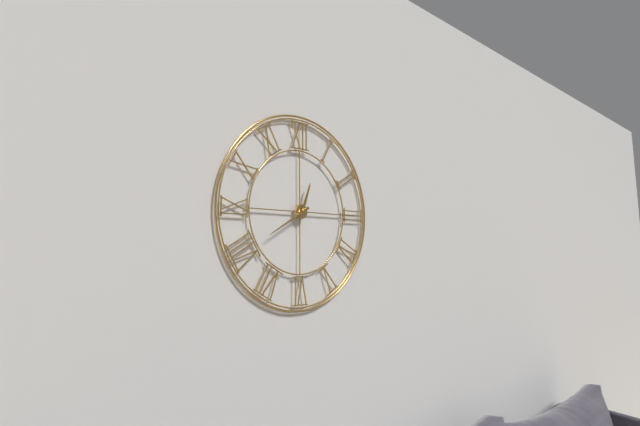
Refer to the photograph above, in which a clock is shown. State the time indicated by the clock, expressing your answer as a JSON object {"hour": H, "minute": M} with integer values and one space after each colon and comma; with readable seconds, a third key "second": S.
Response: {"hour": 12, "minute": 40}
